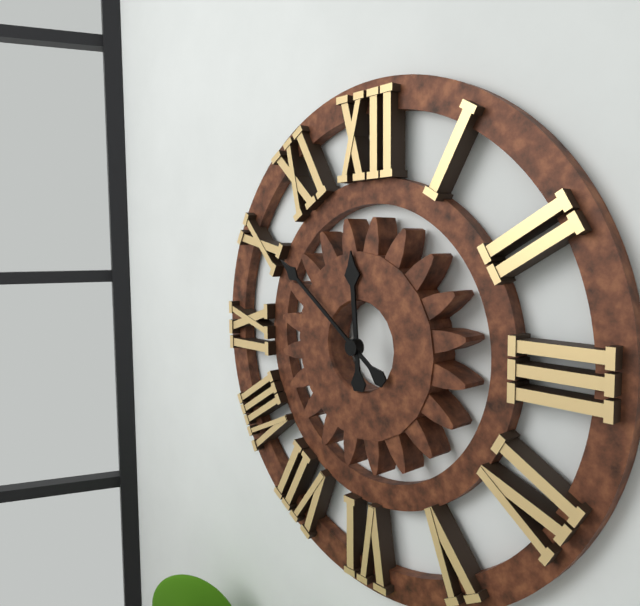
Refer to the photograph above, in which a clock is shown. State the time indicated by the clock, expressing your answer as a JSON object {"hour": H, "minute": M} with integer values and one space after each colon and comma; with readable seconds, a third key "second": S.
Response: {"hour": 11, "minute": 51}
